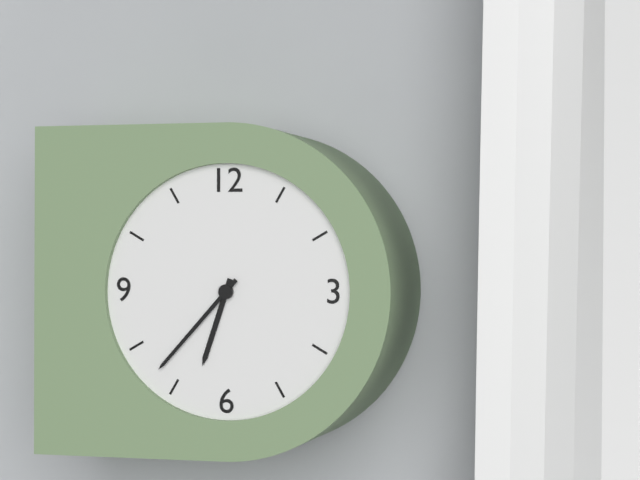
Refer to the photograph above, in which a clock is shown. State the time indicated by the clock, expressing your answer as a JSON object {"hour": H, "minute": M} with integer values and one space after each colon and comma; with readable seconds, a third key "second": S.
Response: {"hour": 6, "minute": 37}
